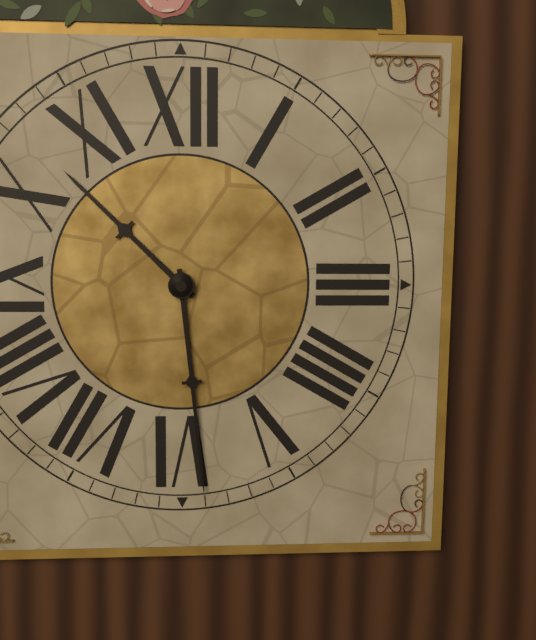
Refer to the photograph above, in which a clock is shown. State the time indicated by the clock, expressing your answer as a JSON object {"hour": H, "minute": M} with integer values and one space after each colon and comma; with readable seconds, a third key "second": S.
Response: {"hour": 10, "minute": 29}
